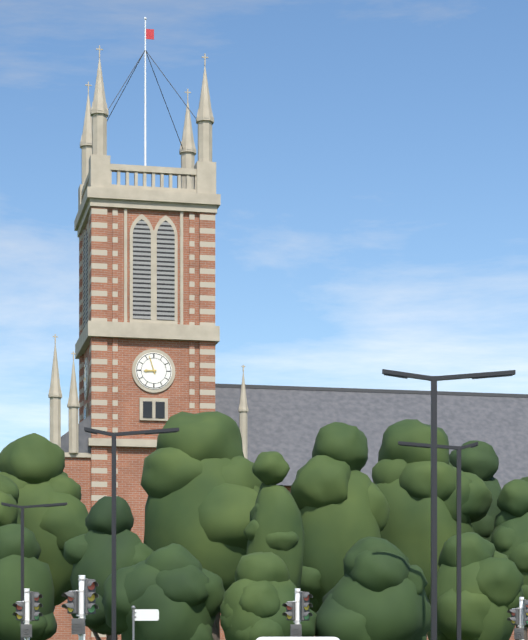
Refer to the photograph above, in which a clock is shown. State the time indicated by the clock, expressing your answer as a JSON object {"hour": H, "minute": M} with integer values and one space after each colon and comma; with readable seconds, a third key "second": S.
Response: {"hour": 8, "minute": 57}
